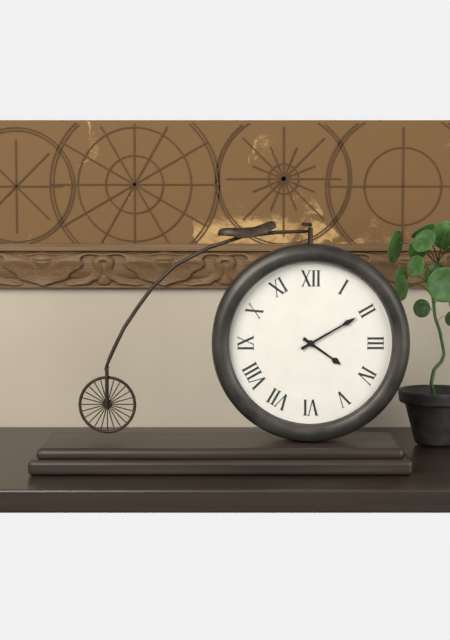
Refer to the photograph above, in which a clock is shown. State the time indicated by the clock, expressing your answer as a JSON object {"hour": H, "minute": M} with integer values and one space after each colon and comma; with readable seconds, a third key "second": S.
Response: {"hour": 4, "minute": 10}
